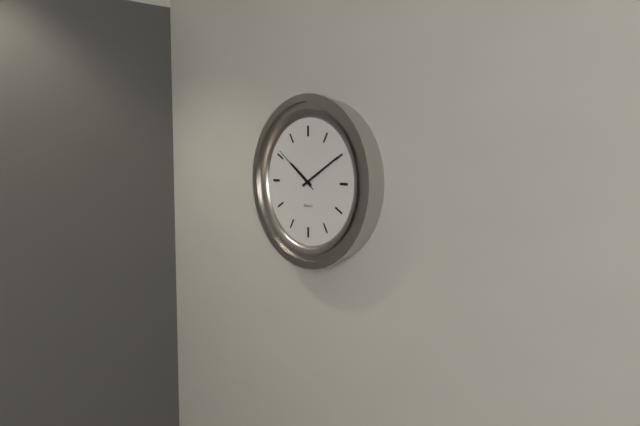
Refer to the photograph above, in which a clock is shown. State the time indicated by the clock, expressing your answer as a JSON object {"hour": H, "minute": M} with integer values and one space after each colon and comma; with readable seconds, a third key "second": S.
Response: {"hour": 10, "minute": 10, "second": 51}
